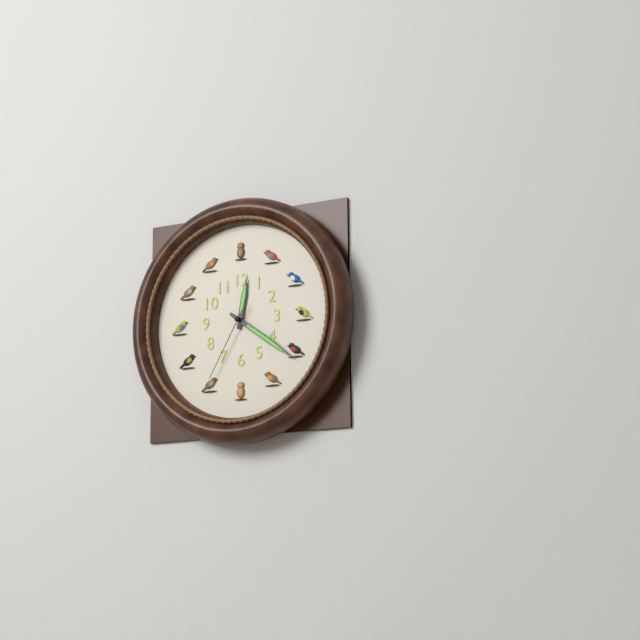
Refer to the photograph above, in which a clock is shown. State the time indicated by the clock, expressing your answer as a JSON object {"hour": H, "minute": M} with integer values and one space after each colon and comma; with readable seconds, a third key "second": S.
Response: {"hour": 12, "minute": 21, "second": 35}
